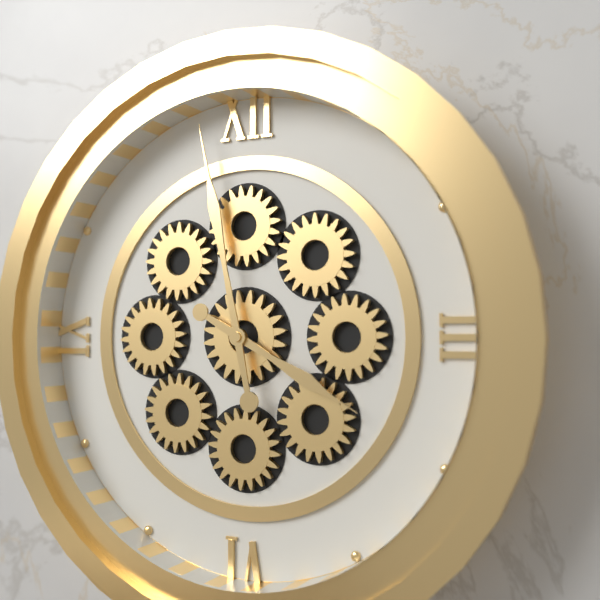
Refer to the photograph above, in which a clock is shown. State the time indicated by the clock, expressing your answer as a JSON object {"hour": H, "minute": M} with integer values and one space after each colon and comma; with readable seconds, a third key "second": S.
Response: {"hour": 3, "minute": 58}
